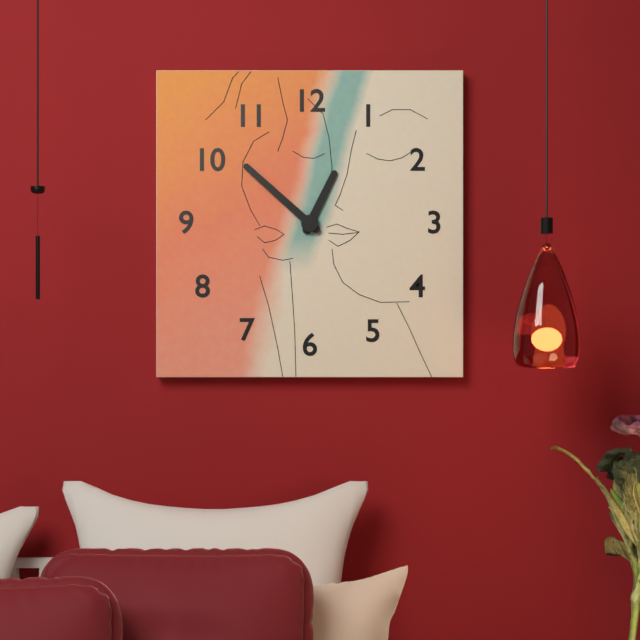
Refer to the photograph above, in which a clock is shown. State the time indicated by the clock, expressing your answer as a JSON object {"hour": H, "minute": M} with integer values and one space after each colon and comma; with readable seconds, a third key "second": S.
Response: {"hour": 12, "minute": 52}
